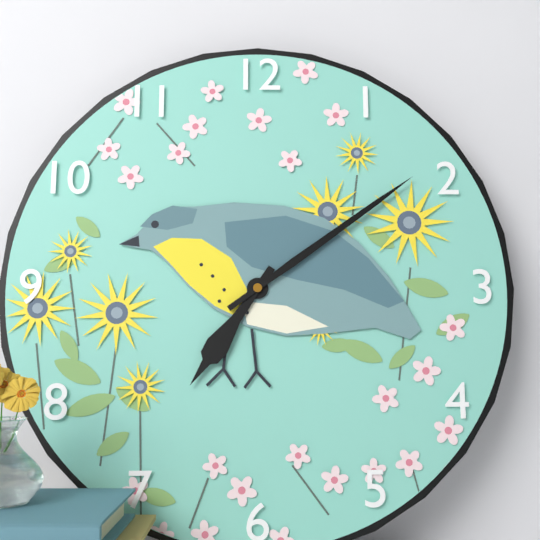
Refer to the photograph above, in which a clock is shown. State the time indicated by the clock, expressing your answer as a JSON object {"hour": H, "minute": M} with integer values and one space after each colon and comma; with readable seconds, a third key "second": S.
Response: {"hour": 7, "minute": 9}
